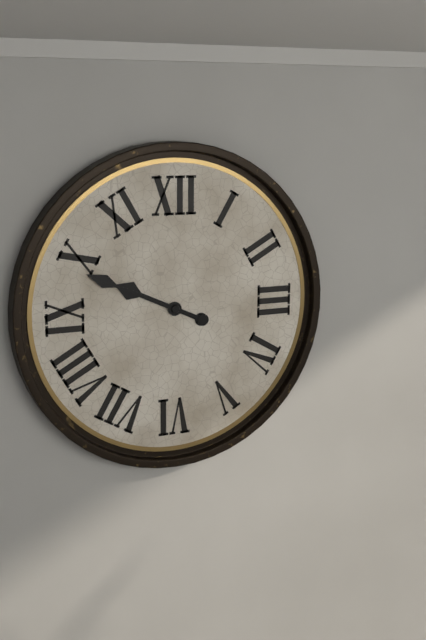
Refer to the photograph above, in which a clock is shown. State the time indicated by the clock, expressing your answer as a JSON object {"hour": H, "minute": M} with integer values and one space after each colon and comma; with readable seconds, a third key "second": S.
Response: {"hour": 9, "minute": 49}
